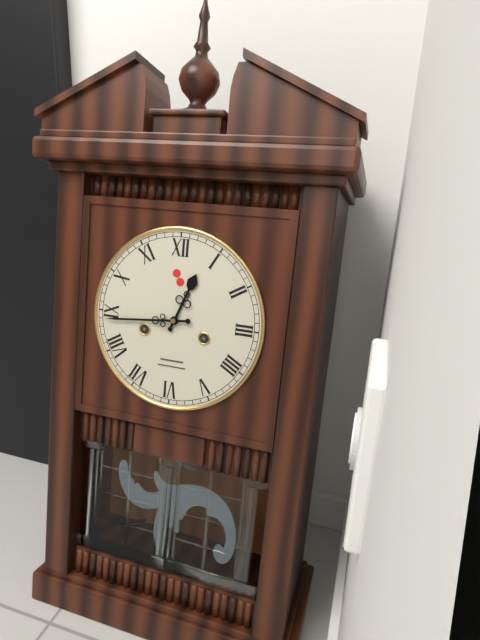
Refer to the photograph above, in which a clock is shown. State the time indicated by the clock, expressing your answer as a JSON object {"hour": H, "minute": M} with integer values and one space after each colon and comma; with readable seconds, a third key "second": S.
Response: {"hour": 12, "minute": 44}
